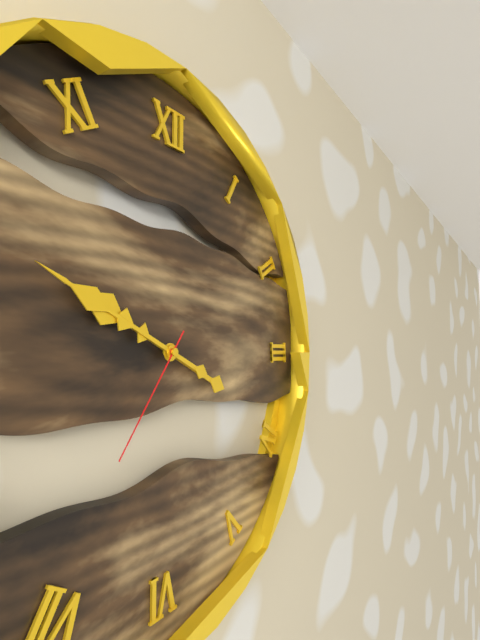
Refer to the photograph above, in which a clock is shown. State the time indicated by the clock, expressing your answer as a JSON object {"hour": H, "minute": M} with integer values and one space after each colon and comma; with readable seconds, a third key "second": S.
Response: {"hour": 9, "minute": 49, "second": 36}
